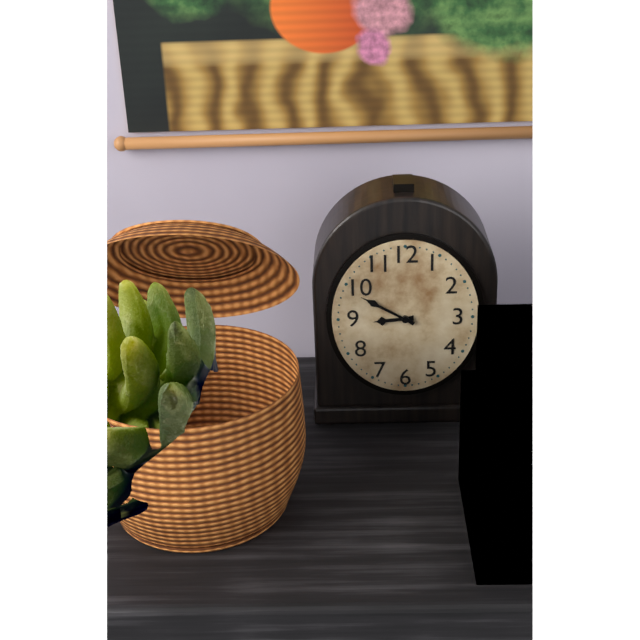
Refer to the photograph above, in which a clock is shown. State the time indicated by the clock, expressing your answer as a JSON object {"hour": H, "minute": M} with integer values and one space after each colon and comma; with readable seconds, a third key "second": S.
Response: {"hour": 8, "minute": 50}
